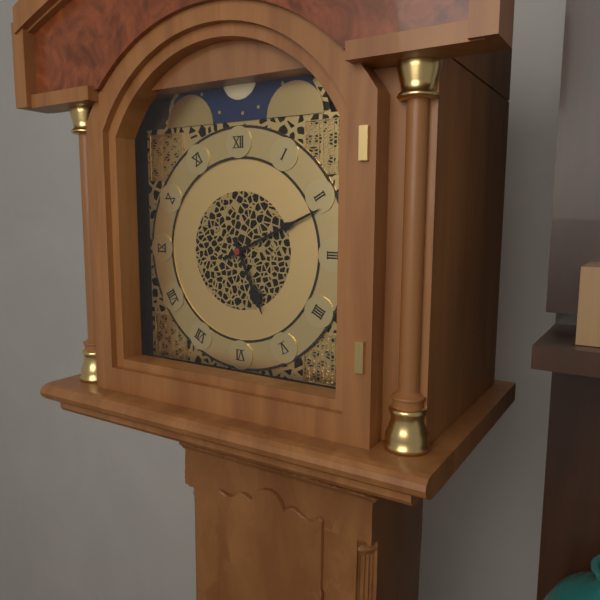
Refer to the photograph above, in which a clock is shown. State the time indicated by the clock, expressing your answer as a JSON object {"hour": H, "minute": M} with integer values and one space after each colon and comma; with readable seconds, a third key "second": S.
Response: {"hour": 5, "minute": 11}
